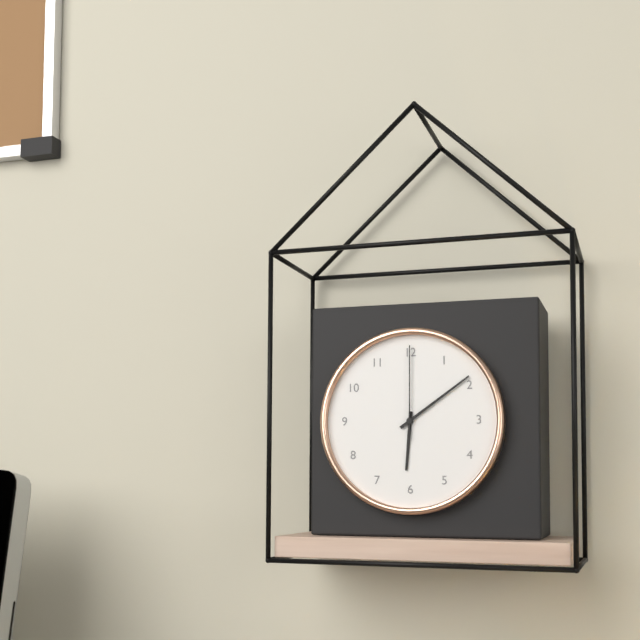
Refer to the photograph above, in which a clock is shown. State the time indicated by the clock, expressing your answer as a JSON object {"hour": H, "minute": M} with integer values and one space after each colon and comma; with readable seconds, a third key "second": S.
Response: {"hour": 6, "minute": 9, "second": 0}
